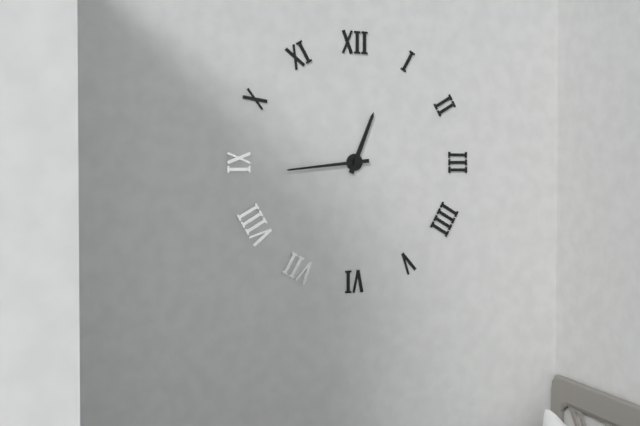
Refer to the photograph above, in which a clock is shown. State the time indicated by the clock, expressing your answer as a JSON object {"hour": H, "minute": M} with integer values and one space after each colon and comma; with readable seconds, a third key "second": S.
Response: {"hour": 12, "minute": 44}
